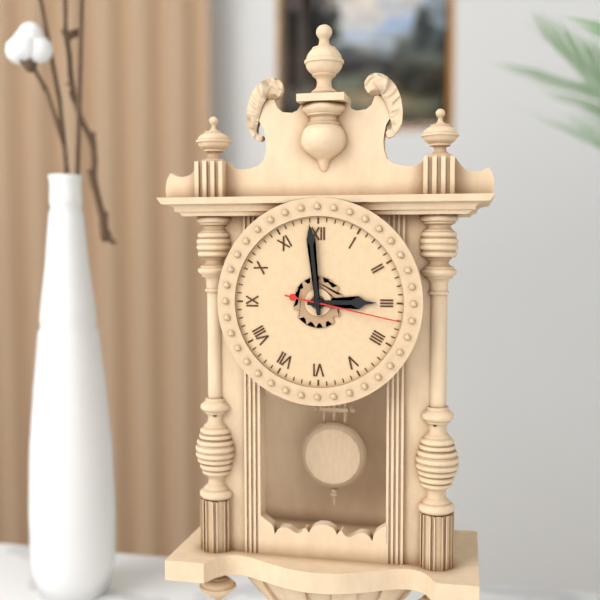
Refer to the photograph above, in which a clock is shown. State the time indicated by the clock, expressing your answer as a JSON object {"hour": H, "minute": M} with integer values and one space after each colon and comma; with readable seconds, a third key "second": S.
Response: {"hour": 2, "minute": 59, "second": 17}
